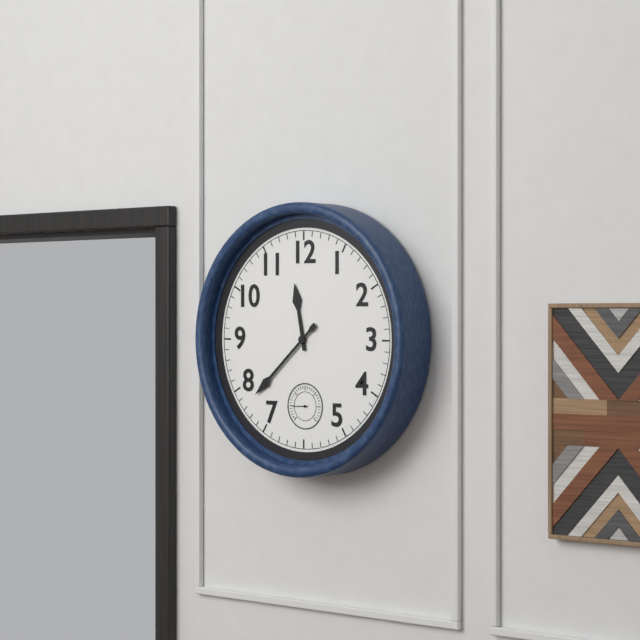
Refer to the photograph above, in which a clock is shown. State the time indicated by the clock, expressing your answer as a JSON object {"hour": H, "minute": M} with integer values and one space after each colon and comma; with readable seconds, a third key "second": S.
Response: {"hour": 11, "minute": 38}
